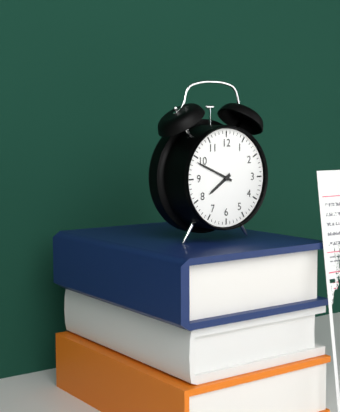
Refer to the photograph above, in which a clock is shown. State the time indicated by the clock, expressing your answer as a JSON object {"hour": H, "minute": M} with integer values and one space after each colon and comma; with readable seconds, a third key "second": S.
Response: {"hour": 7, "minute": 49}
